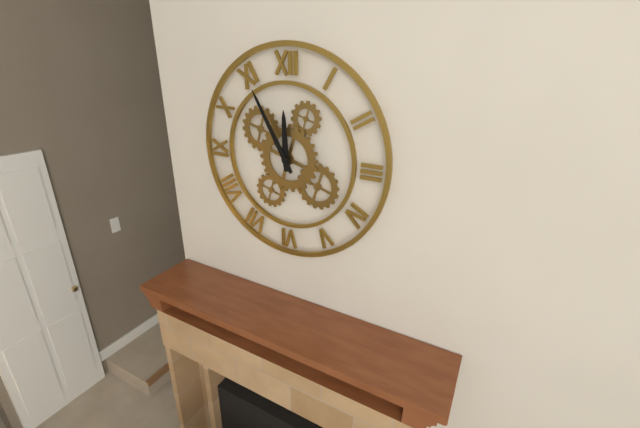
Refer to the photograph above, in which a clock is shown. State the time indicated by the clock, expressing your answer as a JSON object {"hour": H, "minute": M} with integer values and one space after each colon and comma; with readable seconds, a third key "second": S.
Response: {"hour": 11, "minute": 55}
